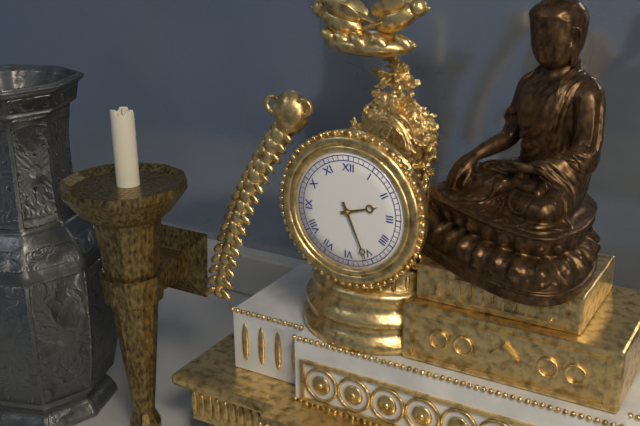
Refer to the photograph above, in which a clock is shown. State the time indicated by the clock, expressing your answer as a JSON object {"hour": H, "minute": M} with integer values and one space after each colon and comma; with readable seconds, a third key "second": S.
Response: {"hour": 2, "minute": 26}
